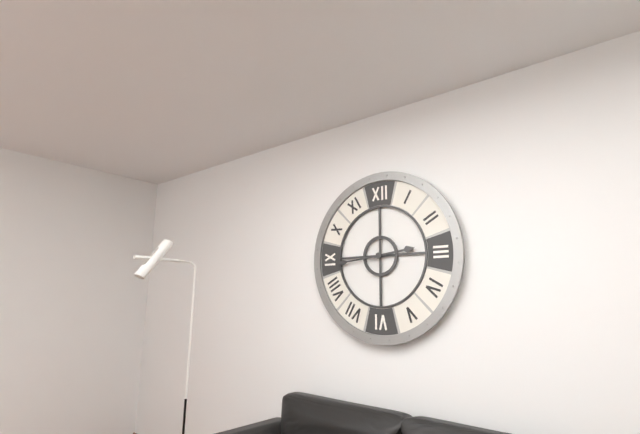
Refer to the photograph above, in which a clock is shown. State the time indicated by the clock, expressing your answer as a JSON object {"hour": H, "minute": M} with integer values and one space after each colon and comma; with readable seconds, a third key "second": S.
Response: {"hour": 2, "minute": 44}
